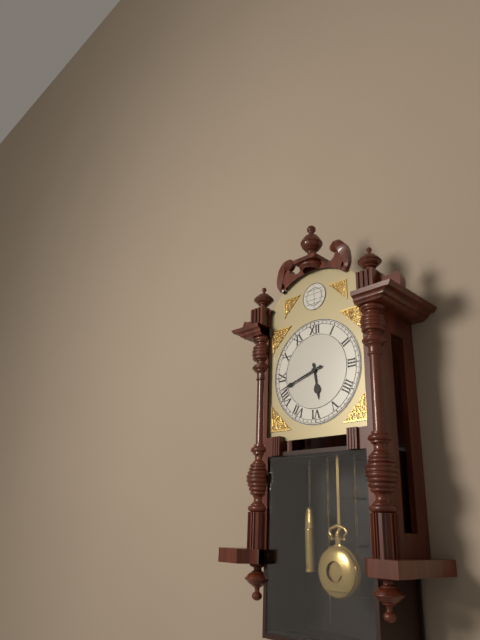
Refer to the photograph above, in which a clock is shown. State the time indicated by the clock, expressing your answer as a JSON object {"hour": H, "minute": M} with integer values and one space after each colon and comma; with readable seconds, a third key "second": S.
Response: {"hour": 5, "minute": 42}
